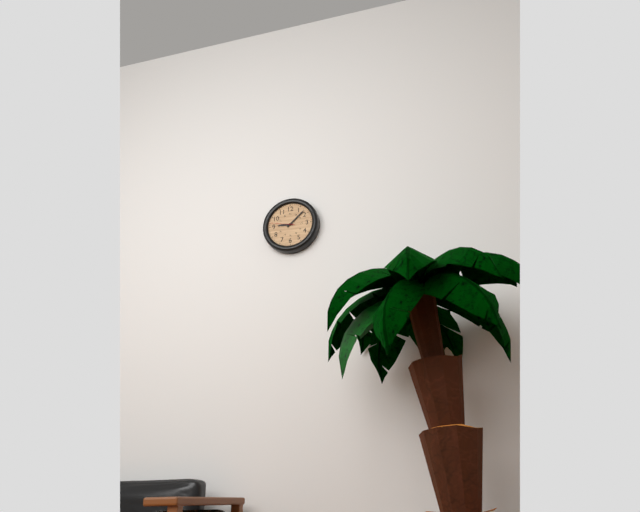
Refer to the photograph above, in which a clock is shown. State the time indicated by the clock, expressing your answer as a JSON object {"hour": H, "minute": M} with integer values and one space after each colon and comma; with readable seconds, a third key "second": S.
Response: {"hour": 9, "minute": 8}
